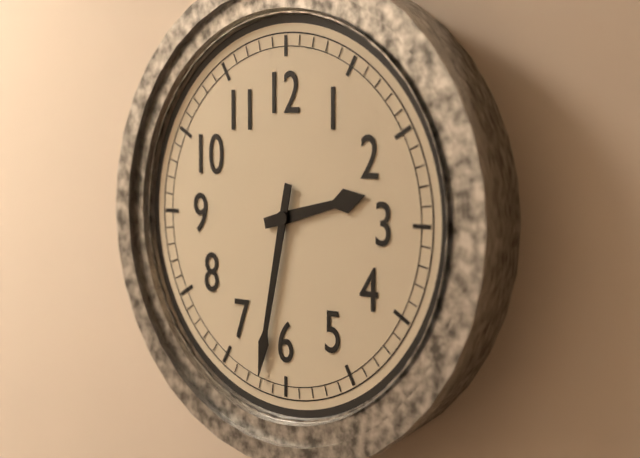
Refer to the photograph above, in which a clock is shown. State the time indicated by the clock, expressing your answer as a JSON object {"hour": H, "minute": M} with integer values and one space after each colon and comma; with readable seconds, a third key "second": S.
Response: {"hour": 2, "minute": 32}
